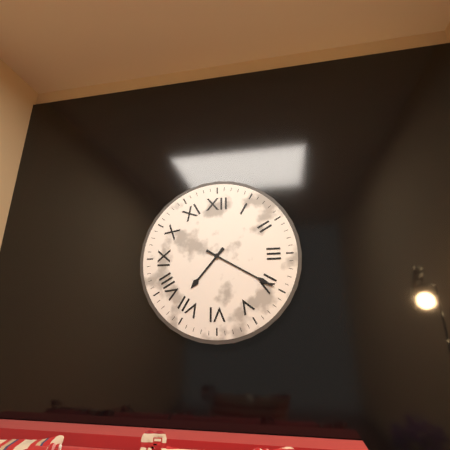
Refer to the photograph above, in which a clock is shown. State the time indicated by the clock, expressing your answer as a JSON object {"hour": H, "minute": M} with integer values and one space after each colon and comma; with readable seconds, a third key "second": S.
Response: {"hour": 7, "minute": 20}
